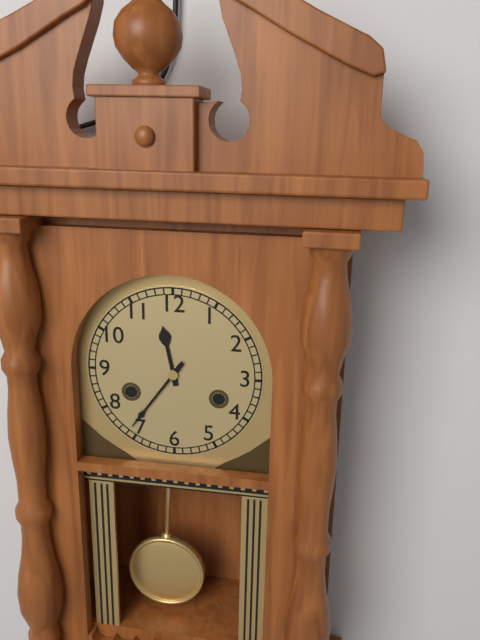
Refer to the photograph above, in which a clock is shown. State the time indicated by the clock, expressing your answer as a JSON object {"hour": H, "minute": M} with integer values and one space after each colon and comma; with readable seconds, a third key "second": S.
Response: {"hour": 11, "minute": 36}
